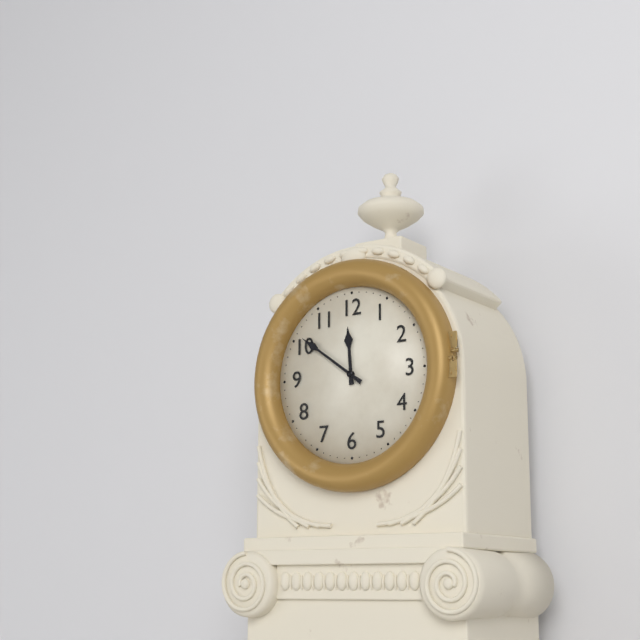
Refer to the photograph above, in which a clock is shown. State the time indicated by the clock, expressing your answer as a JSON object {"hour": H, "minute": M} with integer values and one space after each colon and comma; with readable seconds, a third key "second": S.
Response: {"hour": 11, "minute": 51}
